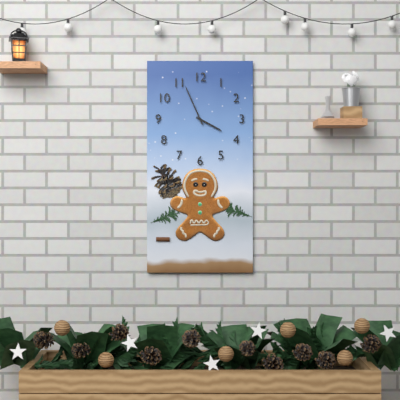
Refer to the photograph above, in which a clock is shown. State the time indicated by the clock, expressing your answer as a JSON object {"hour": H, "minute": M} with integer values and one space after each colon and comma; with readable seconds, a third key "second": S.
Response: {"hour": 3, "minute": 56}
